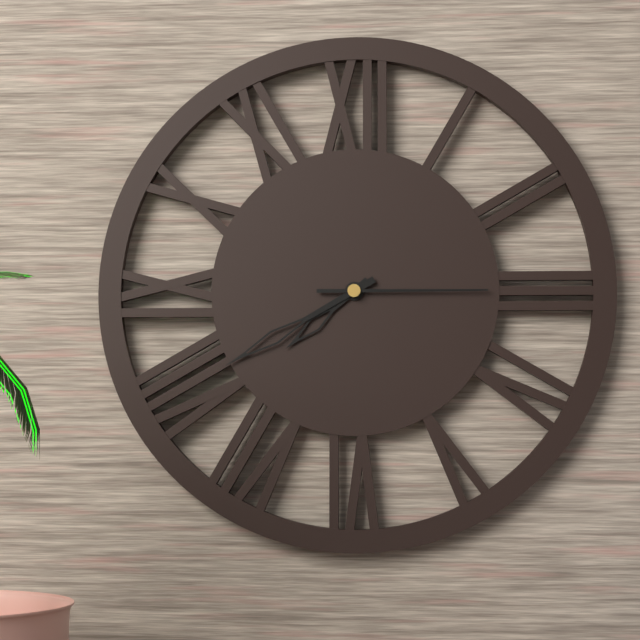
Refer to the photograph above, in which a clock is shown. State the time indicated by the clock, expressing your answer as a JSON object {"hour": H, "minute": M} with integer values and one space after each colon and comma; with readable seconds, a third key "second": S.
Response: {"hour": 7, "minute": 40, "second": 15}
